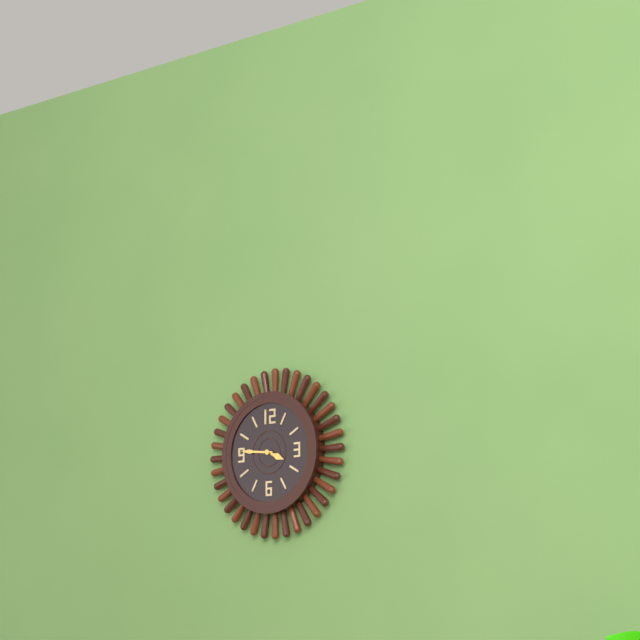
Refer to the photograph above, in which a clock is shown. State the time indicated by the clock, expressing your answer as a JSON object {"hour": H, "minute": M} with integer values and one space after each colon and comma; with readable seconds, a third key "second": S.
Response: {"hour": 3, "minute": 46}
